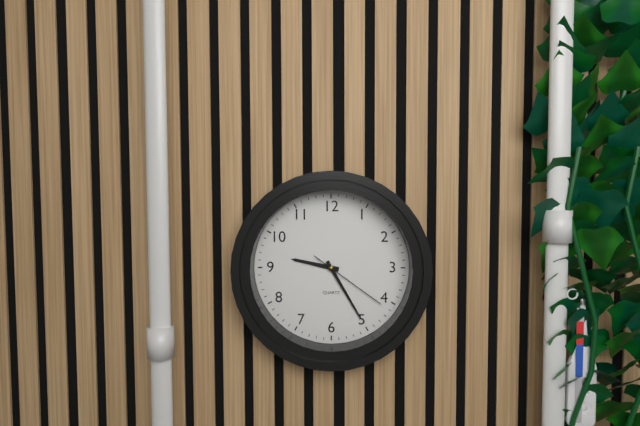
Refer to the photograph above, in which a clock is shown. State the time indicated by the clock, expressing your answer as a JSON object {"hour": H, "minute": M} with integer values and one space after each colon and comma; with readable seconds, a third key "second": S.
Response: {"hour": 9, "minute": 25, "second": 21}
